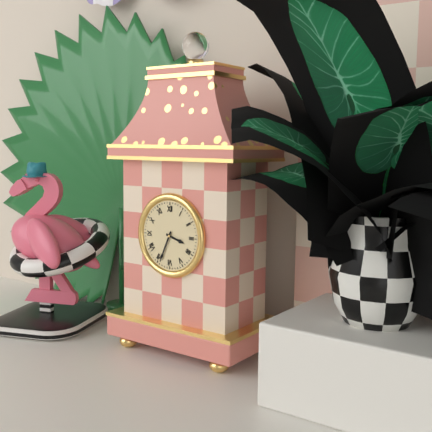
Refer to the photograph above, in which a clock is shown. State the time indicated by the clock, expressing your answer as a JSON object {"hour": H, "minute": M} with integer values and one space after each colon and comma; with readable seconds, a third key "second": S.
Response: {"hour": 3, "minute": 34}
